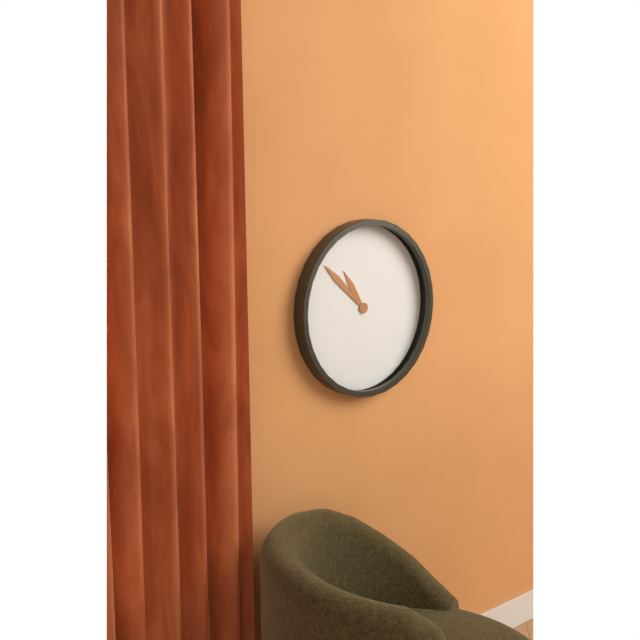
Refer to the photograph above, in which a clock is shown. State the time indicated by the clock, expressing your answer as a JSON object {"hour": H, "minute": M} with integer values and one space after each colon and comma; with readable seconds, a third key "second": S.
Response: {"hour": 10, "minute": 52}
